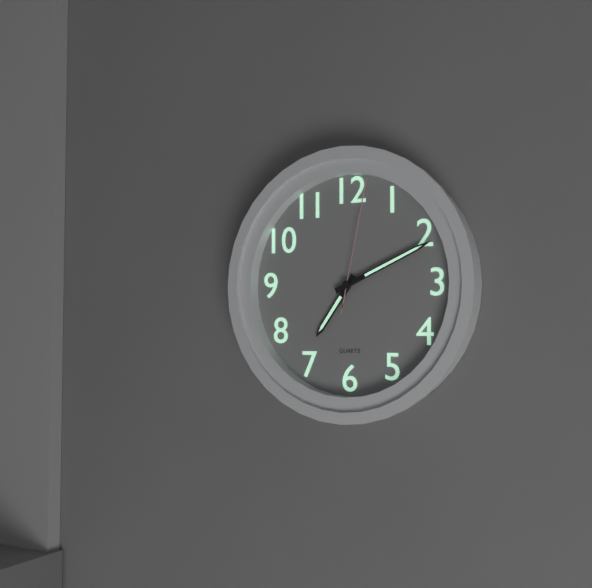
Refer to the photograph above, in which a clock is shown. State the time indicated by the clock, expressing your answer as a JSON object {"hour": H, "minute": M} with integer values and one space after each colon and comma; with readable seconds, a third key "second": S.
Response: {"hour": 7, "minute": 11, "second": 2}
